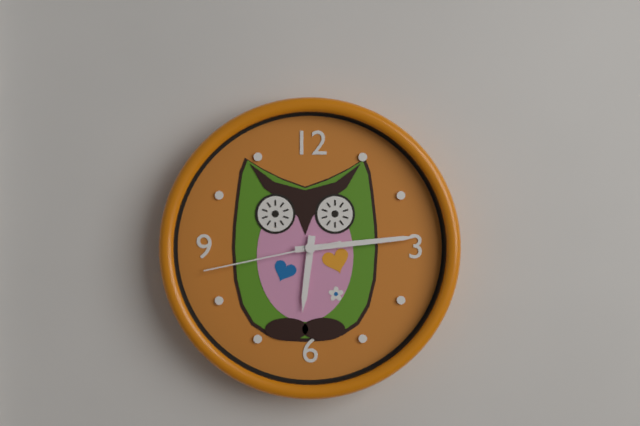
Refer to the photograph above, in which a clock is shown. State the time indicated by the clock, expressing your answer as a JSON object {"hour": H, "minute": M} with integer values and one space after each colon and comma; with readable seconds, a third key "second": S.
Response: {"hour": 6, "minute": 14, "second": 43}
